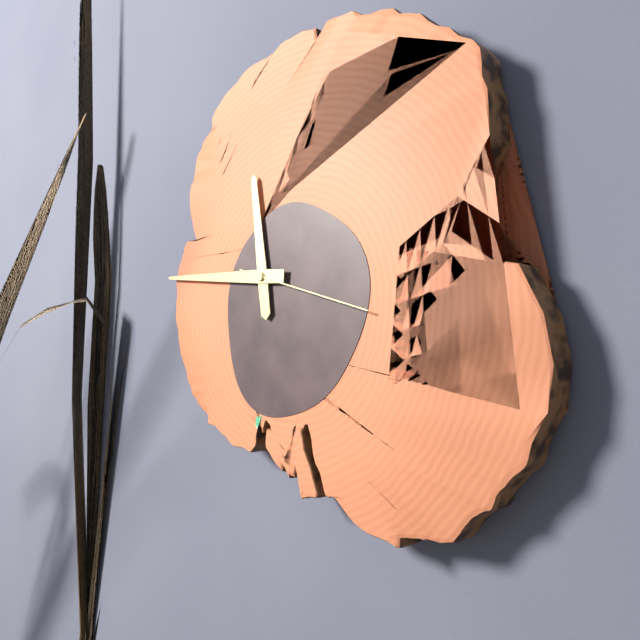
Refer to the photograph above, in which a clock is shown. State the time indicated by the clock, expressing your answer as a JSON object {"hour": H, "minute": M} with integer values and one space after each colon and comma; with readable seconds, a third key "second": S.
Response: {"hour": 11, "minute": 46, "second": 18}
